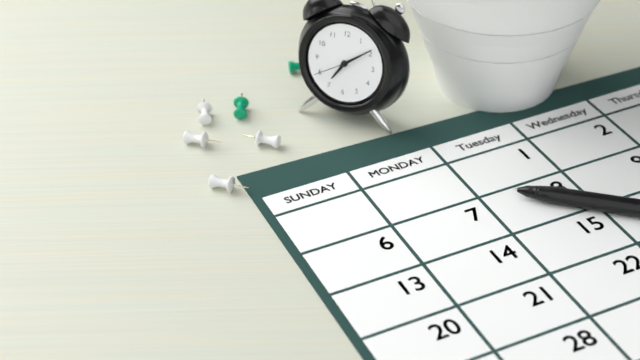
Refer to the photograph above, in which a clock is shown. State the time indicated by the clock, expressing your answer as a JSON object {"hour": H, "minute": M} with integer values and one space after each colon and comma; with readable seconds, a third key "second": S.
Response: {"hour": 7, "minute": 9}
